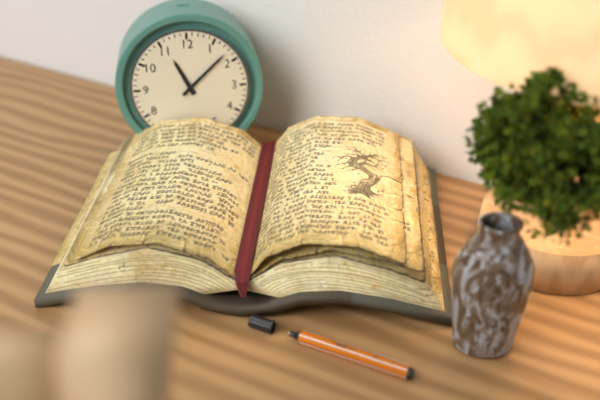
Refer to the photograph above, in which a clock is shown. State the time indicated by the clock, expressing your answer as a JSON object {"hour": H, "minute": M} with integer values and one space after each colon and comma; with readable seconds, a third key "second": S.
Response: {"hour": 11, "minute": 8}
